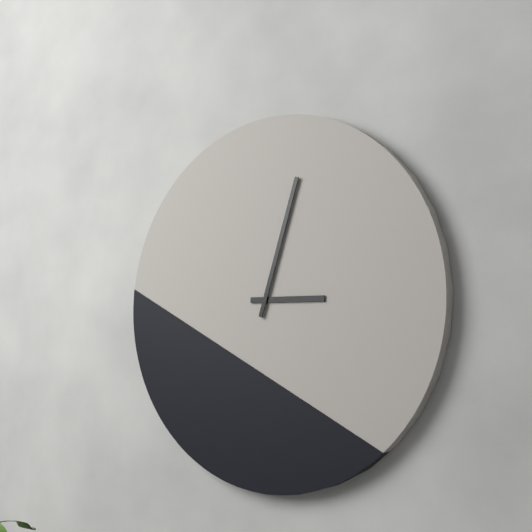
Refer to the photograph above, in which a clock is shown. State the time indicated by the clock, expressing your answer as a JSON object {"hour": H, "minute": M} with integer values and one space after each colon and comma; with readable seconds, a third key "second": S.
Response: {"hour": 3, "minute": 3}
